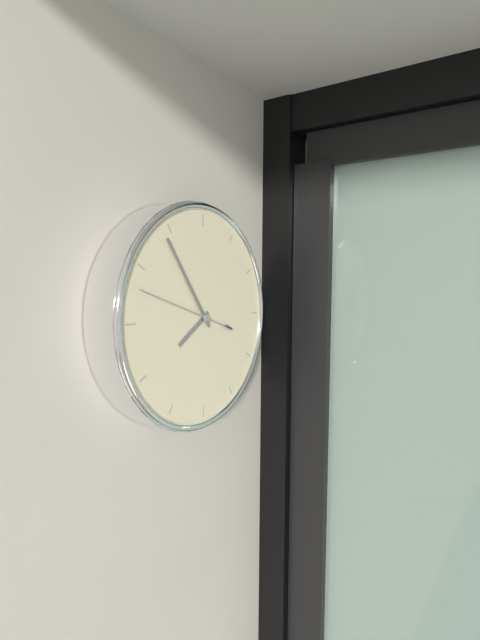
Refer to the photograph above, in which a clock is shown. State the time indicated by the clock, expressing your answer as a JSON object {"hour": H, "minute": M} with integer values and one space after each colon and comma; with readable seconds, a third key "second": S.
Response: {"hour": 7, "minute": 54, "second": 48}
